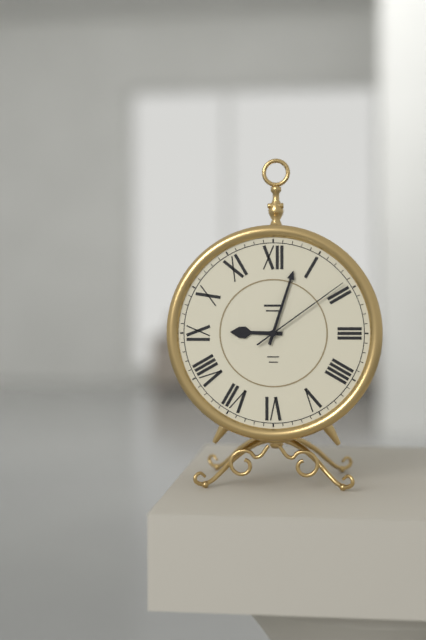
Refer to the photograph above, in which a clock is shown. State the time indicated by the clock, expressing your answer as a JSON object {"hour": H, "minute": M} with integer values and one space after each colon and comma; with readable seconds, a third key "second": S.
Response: {"hour": 9, "minute": 3, "second": 9}
